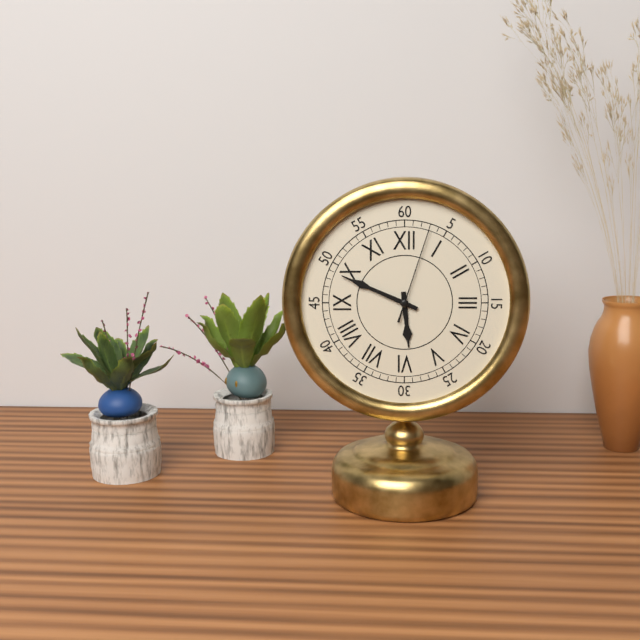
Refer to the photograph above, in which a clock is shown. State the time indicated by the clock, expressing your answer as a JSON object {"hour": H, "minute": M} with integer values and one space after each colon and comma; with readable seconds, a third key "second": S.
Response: {"hour": 5, "minute": 49, "second": 3}
